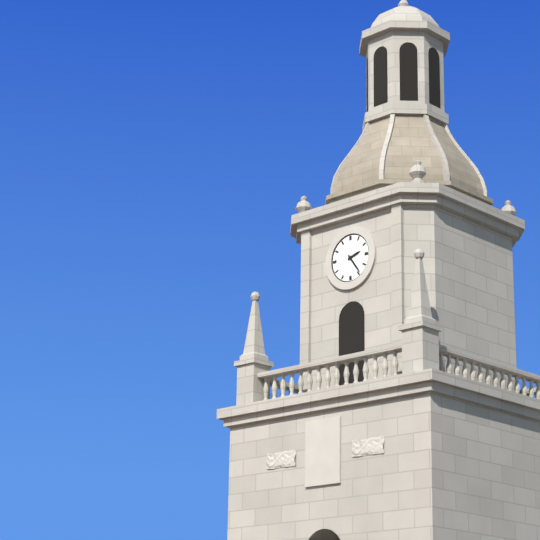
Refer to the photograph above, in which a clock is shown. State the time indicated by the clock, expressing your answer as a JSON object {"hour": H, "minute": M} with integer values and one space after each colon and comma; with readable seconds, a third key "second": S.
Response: {"hour": 2, "minute": 24}
